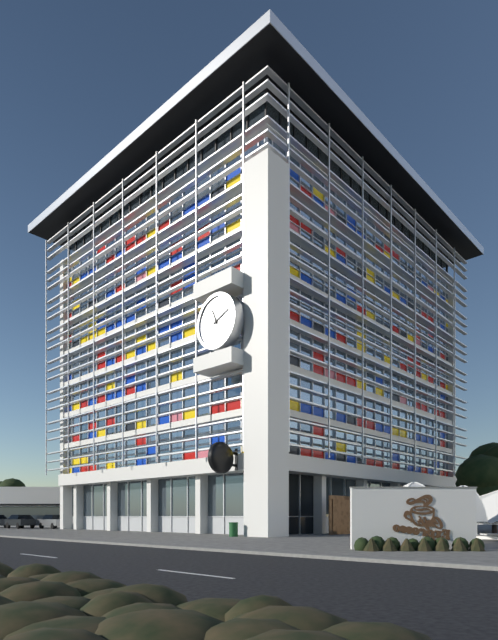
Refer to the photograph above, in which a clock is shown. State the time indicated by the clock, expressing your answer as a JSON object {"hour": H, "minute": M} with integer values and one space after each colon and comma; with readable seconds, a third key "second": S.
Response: {"hour": 11, "minute": 11}
